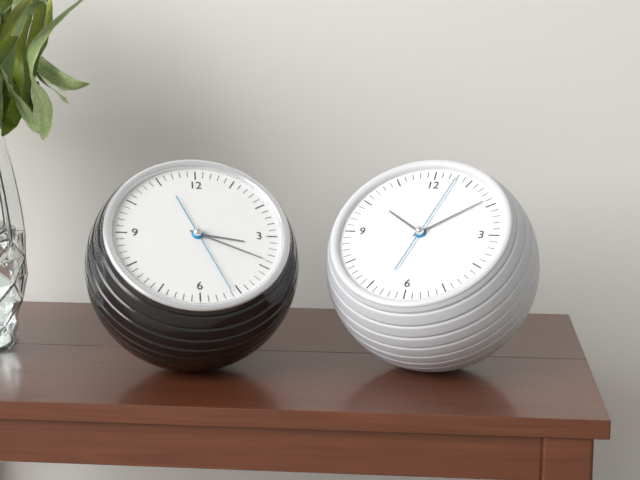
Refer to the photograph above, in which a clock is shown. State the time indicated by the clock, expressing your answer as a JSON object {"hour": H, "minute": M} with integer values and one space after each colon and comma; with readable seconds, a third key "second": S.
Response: {"hour": 3, "minute": 19, "second": 26}
